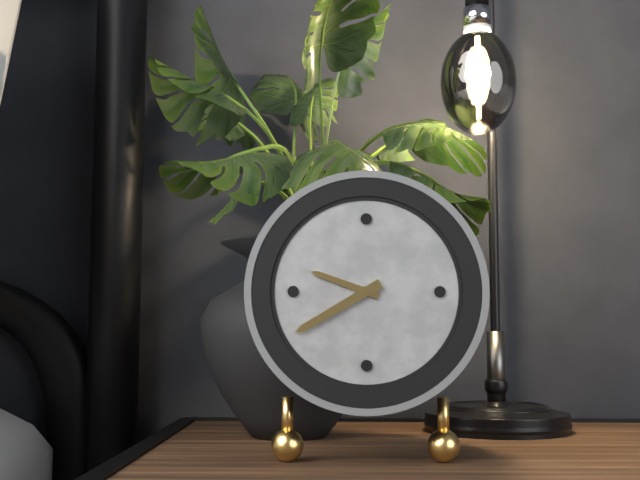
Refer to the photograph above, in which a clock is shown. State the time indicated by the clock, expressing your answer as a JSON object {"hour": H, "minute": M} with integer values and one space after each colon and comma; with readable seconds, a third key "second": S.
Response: {"hour": 9, "minute": 40}
